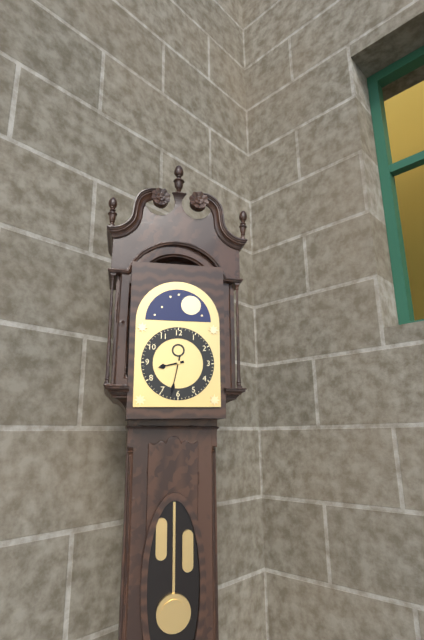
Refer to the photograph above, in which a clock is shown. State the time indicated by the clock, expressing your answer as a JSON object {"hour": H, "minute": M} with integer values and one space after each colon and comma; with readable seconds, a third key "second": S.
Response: {"hour": 8, "minute": 32}
